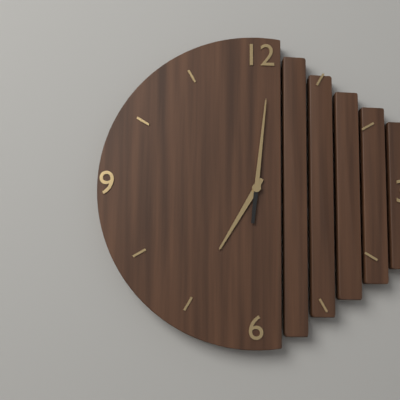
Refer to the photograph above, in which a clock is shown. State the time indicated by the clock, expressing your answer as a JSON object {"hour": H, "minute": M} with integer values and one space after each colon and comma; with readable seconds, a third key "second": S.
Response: {"hour": 7, "minute": 1}
